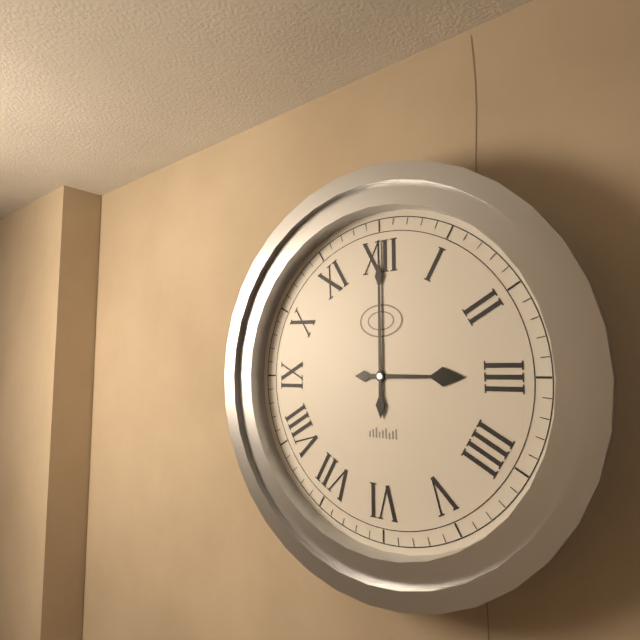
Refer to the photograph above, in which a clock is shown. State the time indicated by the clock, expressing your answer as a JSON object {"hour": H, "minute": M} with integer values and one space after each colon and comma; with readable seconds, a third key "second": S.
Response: {"hour": 3, "minute": 0}
